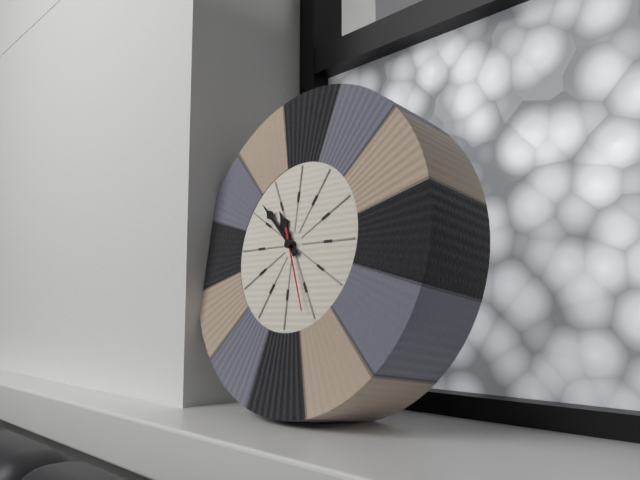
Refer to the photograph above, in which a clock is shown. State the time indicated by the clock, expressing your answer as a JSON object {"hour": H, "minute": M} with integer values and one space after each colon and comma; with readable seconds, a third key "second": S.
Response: {"hour": 10, "minute": 52, "second": 26}
